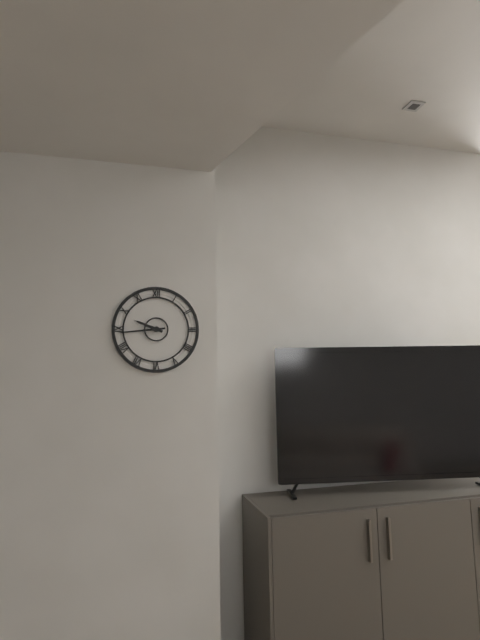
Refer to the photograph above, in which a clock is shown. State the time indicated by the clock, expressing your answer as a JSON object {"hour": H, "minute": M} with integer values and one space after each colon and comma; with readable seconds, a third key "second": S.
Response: {"hour": 9, "minute": 44}
